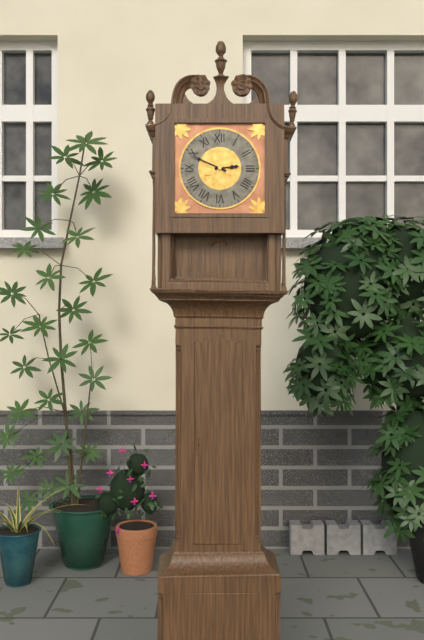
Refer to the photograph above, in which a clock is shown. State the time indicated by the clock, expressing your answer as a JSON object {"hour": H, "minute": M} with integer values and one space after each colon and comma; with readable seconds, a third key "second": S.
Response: {"hour": 2, "minute": 49}
